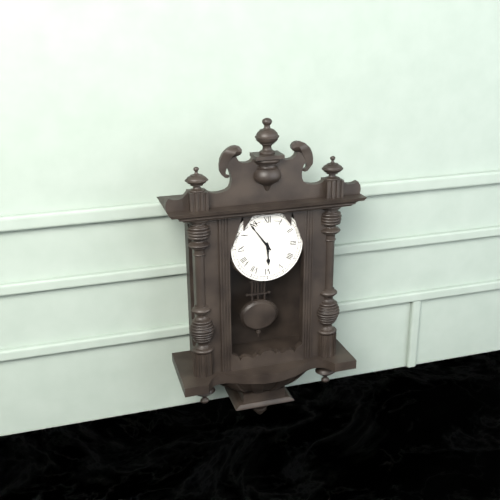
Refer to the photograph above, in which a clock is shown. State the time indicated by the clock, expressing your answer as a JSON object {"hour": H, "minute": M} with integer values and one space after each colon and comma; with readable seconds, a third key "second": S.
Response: {"hour": 5, "minute": 54}
